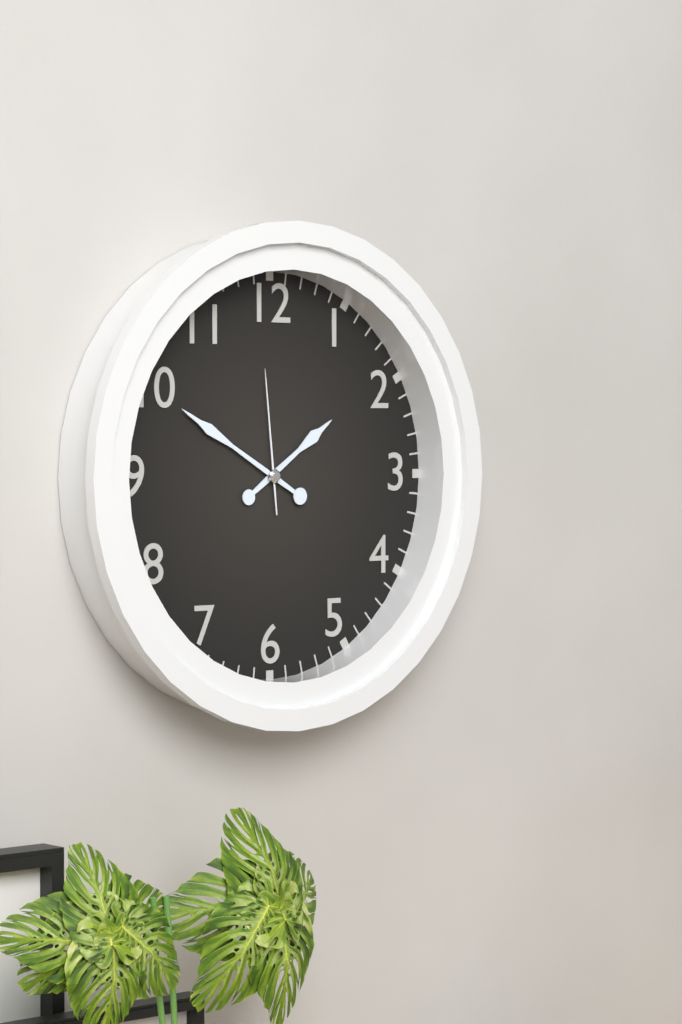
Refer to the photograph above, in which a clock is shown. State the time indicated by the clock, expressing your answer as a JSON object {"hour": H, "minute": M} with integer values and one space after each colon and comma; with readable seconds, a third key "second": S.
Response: {"hour": 1, "minute": 50, "second": 59}
